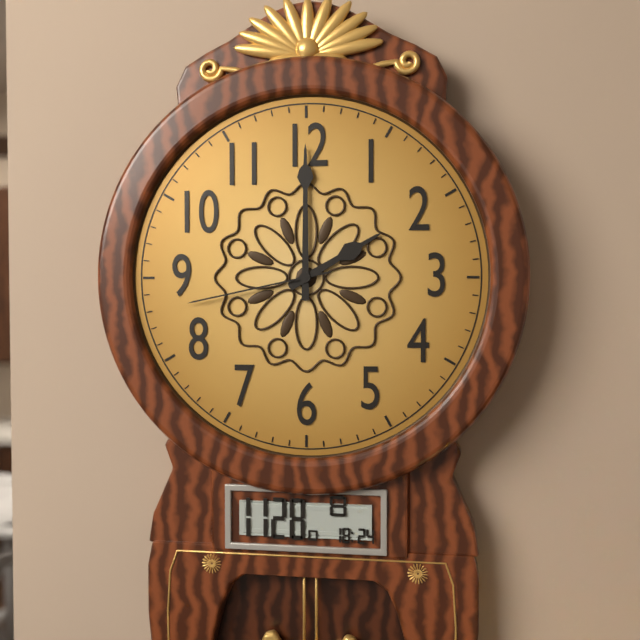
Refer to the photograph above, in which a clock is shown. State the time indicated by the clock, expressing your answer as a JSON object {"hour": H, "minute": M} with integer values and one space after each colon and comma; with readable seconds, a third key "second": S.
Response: {"hour": 2, "minute": 0, "second": 43}
